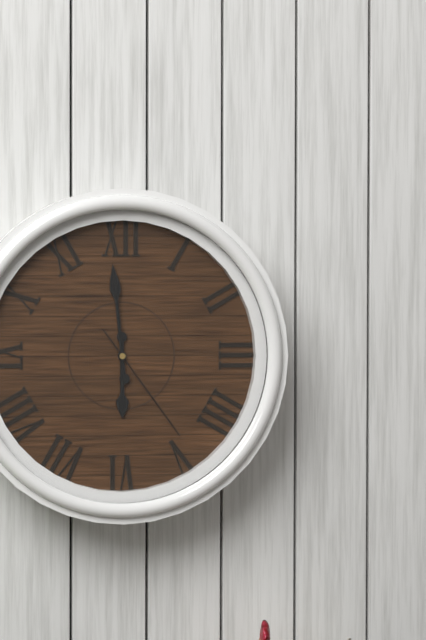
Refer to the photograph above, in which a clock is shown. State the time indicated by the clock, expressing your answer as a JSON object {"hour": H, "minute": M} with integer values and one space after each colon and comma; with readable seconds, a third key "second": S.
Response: {"hour": 5, "minute": 59, "second": 24}
